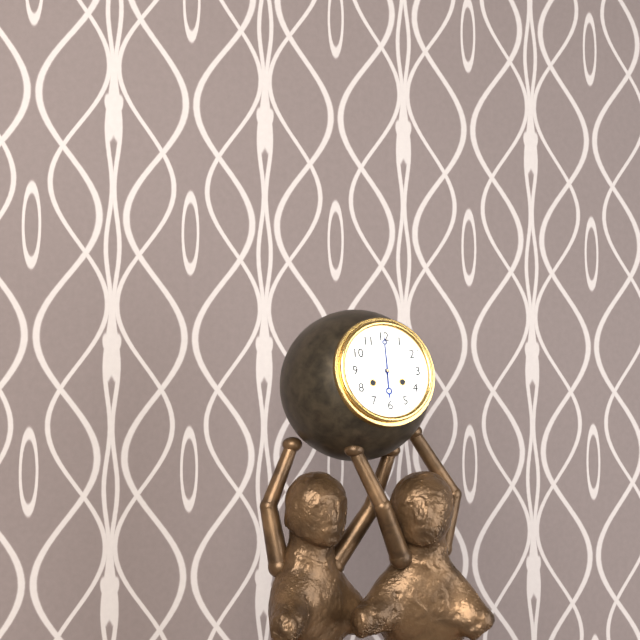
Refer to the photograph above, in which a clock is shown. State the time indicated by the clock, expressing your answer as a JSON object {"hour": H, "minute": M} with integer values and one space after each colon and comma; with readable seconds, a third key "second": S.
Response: {"hour": 6, "minute": 0}
